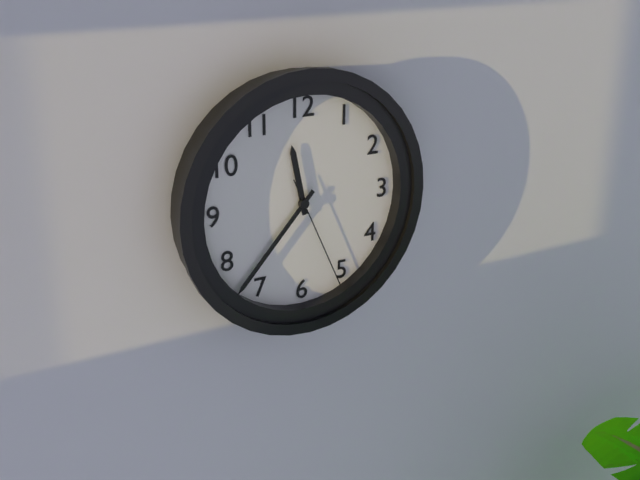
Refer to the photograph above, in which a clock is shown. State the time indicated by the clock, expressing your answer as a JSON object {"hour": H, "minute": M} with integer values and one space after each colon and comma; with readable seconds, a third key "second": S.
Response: {"hour": 11, "minute": 37, "second": 26}
